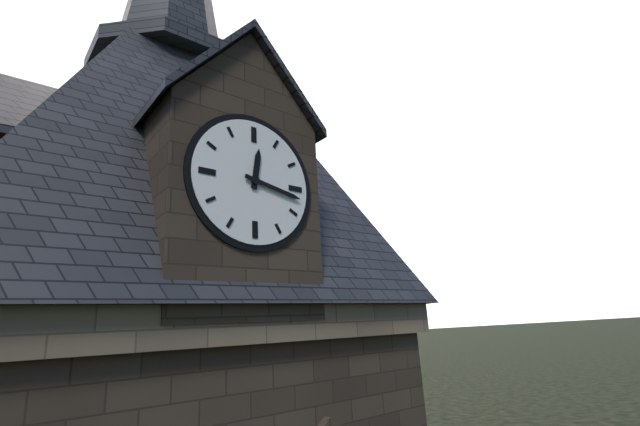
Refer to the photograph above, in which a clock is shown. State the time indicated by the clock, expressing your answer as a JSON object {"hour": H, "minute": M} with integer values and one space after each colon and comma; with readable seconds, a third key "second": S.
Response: {"hour": 12, "minute": 17}
